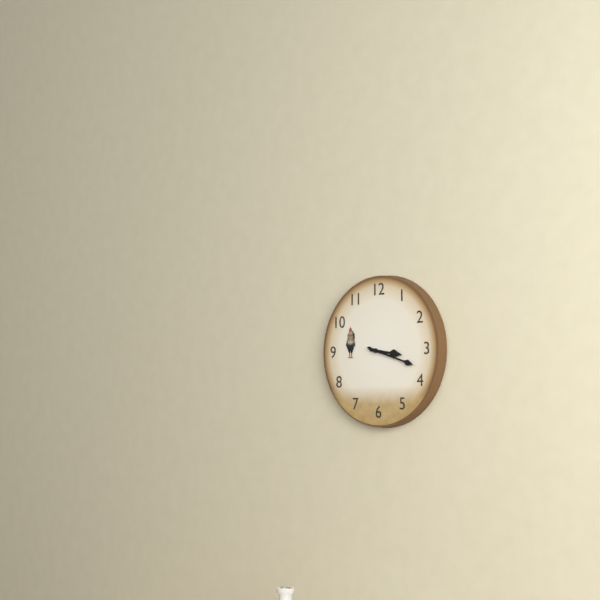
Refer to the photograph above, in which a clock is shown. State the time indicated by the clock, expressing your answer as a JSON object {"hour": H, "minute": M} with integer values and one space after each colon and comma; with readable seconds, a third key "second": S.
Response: {"hour": 3, "minute": 18}
